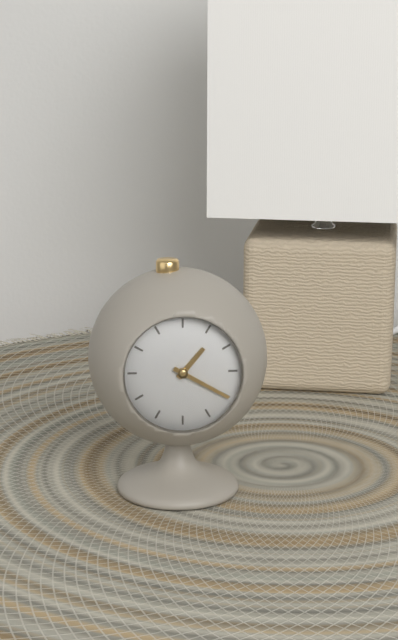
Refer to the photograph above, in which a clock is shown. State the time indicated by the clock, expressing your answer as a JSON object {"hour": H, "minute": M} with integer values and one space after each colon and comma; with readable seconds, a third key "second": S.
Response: {"hour": 1, "minute": 20}
